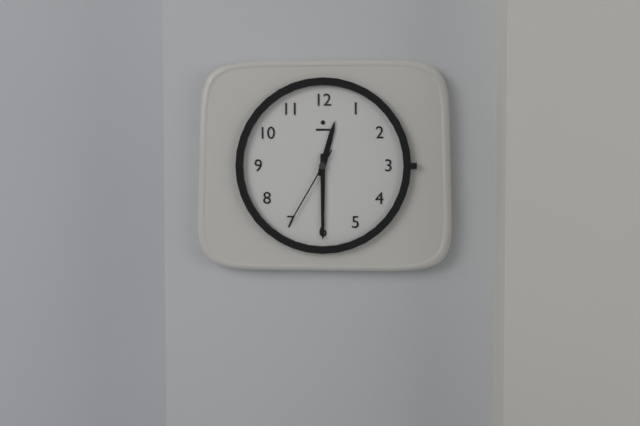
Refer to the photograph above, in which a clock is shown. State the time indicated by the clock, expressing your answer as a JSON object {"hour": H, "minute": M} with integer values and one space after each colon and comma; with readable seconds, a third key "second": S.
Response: {"hour": 12, "minute": 30, "second": 35}
